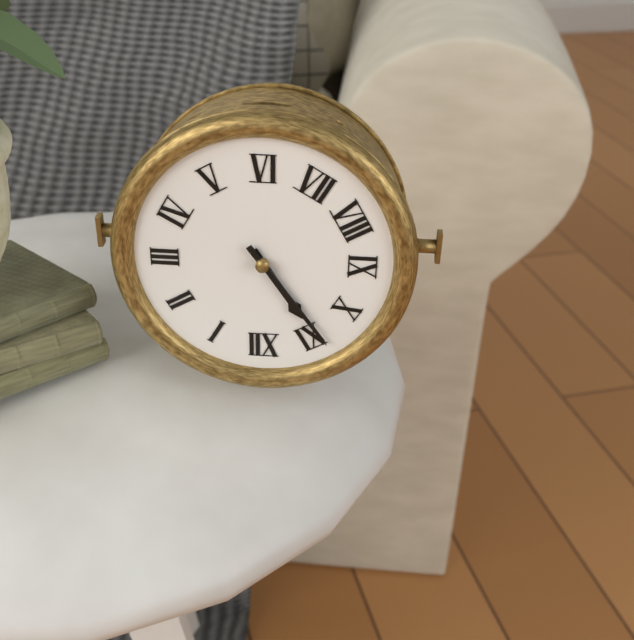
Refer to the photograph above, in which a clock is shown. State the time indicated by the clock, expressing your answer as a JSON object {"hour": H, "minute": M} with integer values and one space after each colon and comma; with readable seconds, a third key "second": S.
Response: {"hour": 10, "minute": 54}
